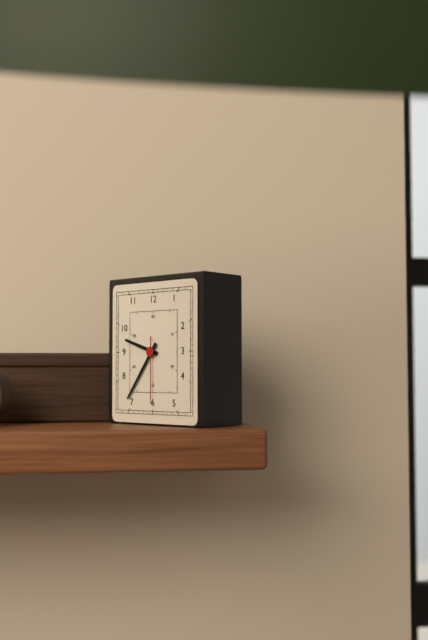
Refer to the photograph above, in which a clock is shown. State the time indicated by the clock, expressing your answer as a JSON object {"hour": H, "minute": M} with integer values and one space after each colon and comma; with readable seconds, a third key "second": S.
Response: {"hour": 9, "minute": 36, "second": 30}
